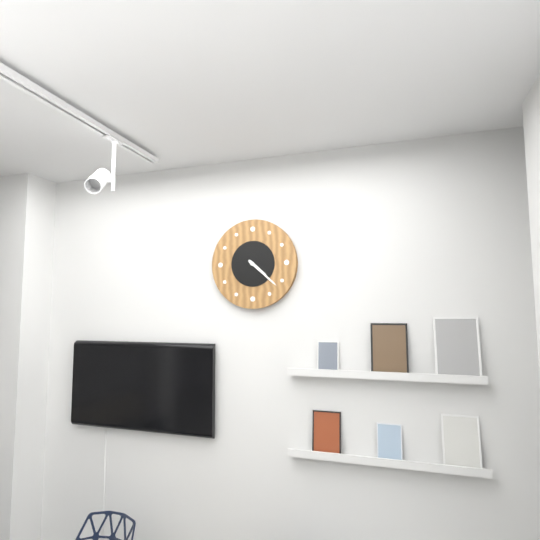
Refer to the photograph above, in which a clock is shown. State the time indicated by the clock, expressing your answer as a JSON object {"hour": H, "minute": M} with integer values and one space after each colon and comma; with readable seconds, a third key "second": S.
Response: {"hour": 4, "minute": 22}
